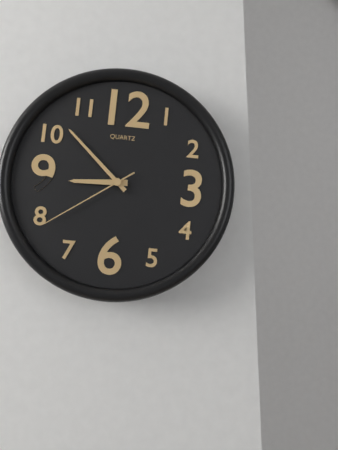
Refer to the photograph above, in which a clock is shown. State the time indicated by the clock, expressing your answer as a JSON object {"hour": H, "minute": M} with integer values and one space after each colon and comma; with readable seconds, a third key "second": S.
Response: {"hour": 8, "minute": 52, "second": 39}
